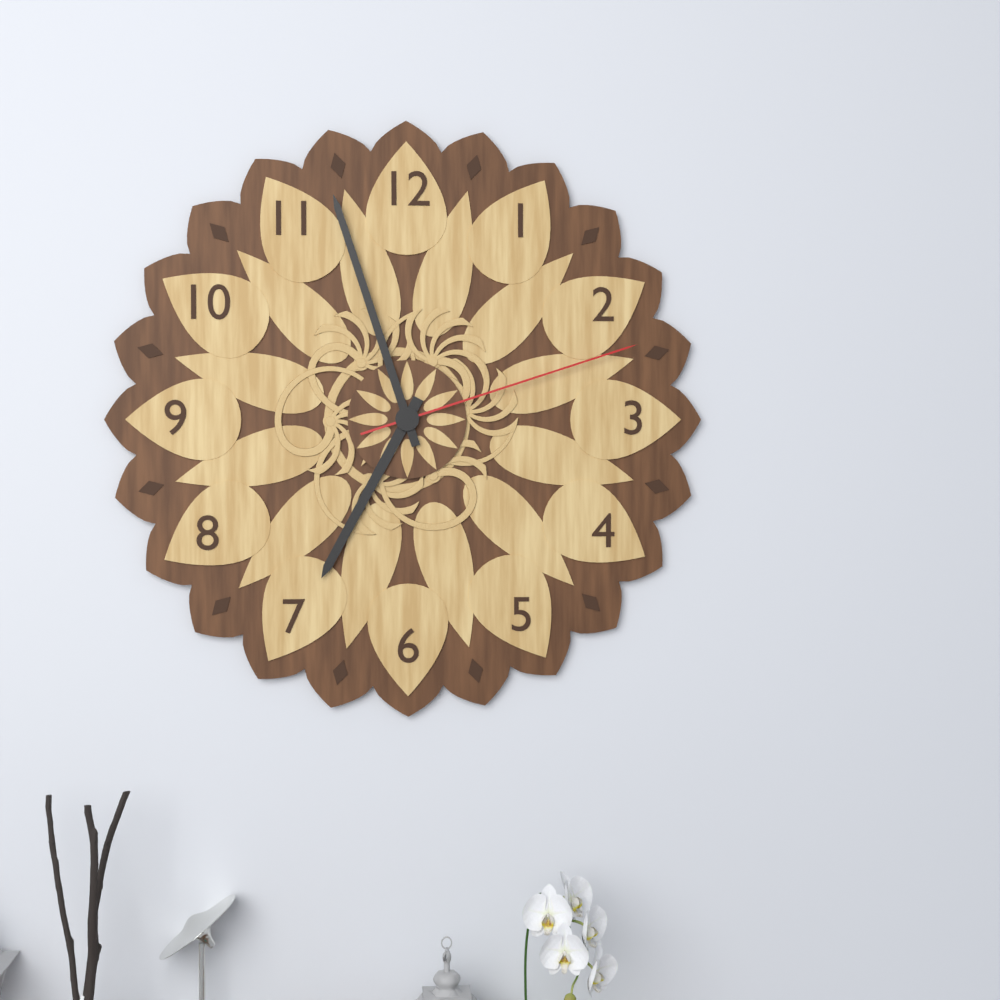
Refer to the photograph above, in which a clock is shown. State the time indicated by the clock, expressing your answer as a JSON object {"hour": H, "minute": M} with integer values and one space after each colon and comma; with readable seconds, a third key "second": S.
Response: {"hour": 6, "minute": 57, "second": 12}
